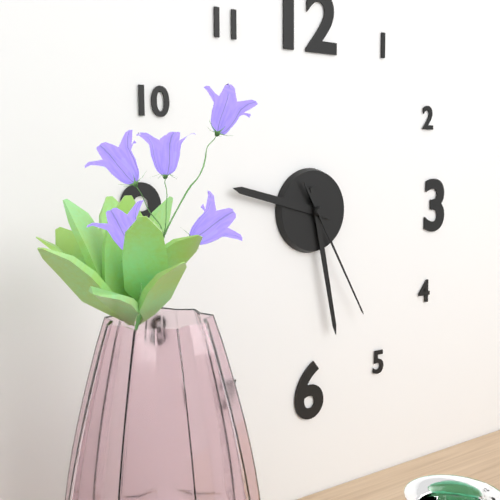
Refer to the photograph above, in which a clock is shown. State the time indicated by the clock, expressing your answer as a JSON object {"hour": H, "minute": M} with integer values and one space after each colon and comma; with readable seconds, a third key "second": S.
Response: {"hour": 9, "minute": 28, "second": 25}
